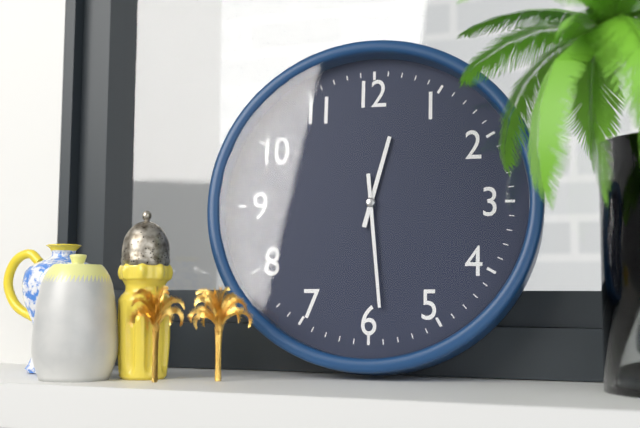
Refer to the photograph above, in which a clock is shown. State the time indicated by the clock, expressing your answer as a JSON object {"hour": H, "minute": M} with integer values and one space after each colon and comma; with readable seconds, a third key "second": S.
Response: {"hour": 12, "minute": 29}
